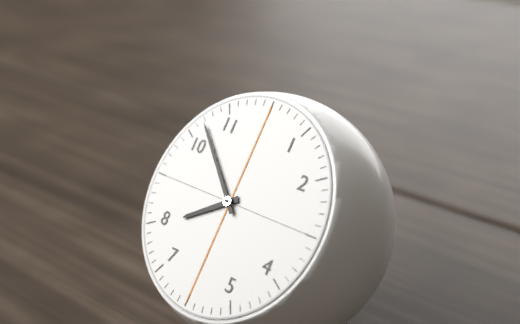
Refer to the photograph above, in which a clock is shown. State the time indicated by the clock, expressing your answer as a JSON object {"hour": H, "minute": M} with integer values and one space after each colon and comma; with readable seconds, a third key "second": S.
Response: {"hour": 7, "minute": 52}
